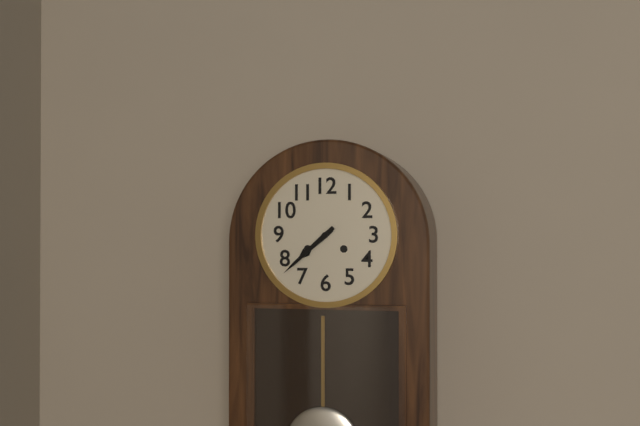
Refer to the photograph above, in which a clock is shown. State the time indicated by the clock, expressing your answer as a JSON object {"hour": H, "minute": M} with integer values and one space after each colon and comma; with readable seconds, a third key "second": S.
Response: {"hour": 7, "minute": 38}
